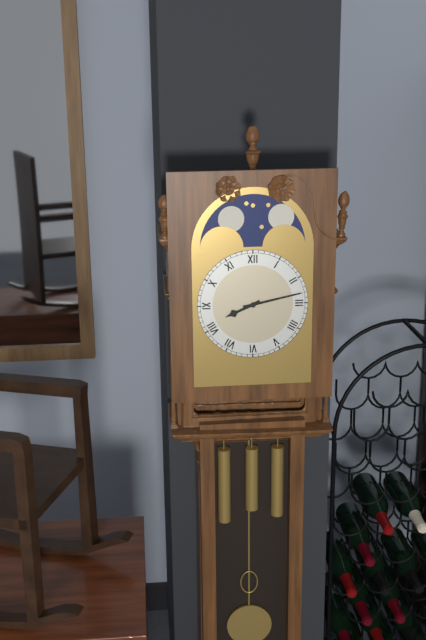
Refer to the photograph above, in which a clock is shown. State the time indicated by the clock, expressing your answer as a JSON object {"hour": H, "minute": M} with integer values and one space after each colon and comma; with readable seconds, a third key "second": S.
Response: {"hour": 8, "minute": 13}
